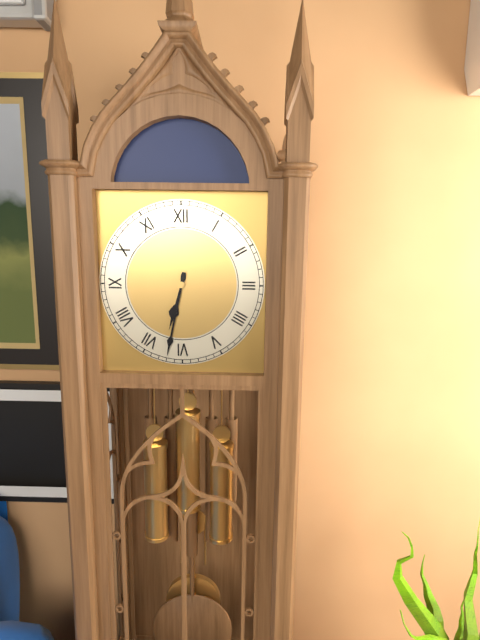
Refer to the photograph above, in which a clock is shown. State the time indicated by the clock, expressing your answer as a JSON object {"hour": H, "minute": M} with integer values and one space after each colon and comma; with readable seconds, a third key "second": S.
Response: {"hour": 6, "minute": 32}
